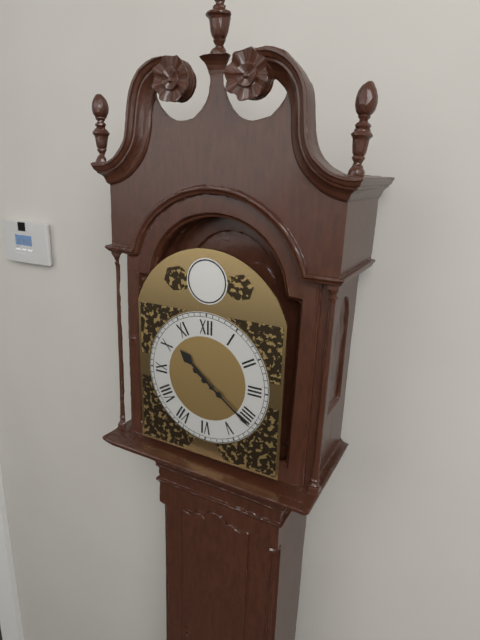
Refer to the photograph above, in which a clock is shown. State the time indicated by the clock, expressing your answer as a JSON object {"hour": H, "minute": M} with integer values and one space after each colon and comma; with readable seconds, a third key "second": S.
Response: {"hour": 10, "minute": 21}
